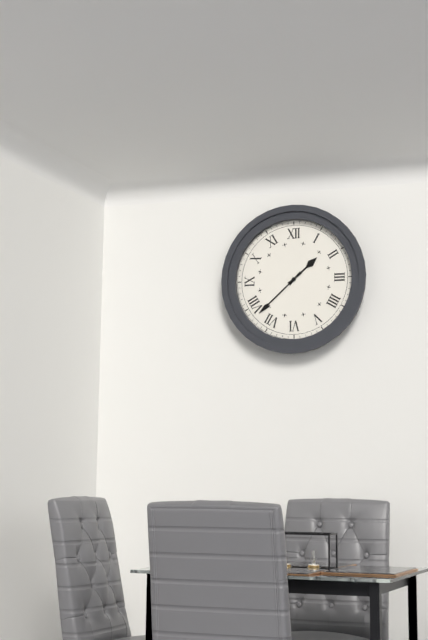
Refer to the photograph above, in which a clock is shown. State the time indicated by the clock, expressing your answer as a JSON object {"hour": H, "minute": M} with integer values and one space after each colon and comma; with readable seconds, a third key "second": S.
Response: {"hour": 1, "minute": 38}
